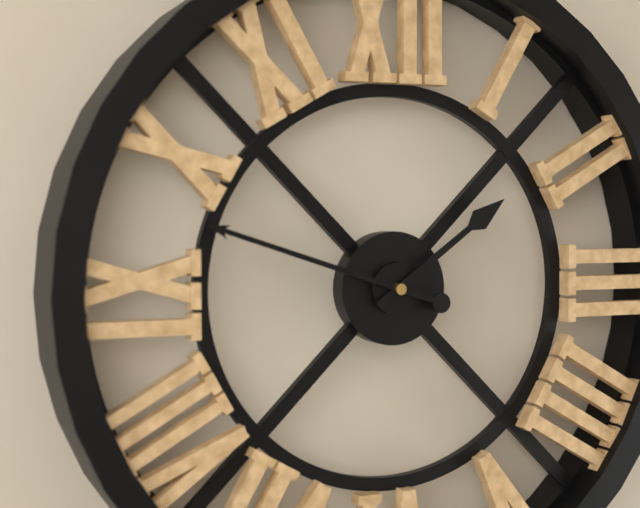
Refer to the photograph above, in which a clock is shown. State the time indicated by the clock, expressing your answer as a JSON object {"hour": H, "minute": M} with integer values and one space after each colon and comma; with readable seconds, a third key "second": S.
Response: {"hour": 1, "minute": 48}
